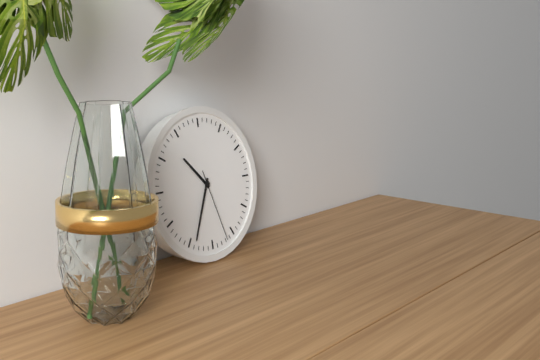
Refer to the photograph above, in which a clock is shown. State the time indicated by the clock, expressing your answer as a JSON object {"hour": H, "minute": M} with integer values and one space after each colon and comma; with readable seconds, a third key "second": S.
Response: {"hour": 10, "minute": 34, "second": 27}
